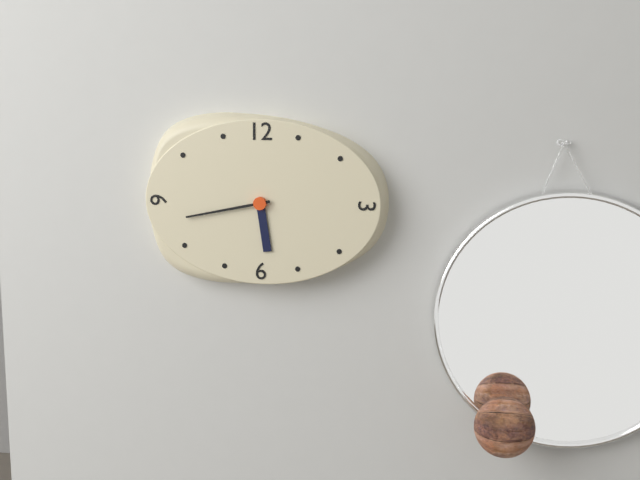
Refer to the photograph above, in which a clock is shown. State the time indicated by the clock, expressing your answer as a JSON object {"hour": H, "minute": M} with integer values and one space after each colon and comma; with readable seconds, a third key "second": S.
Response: {"hour": 5, "minute": 43}
